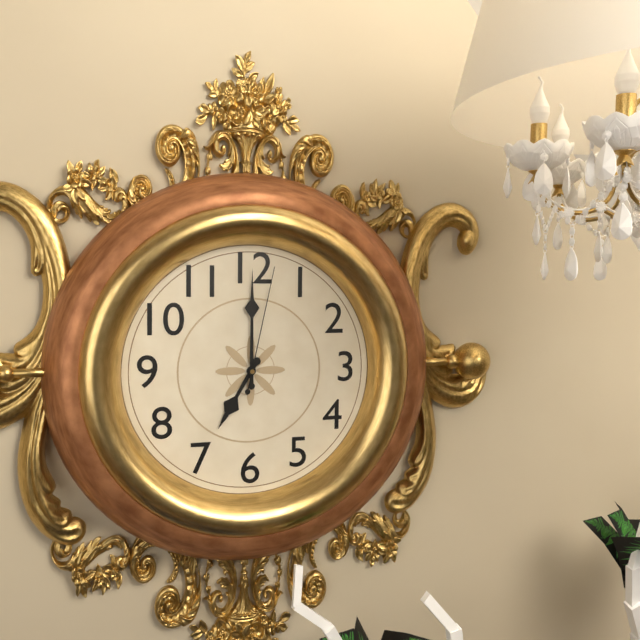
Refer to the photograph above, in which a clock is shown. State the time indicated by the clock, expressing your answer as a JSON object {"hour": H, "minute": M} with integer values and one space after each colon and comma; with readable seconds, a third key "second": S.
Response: {"hour": 7, "minute": 0, "second": 2}
